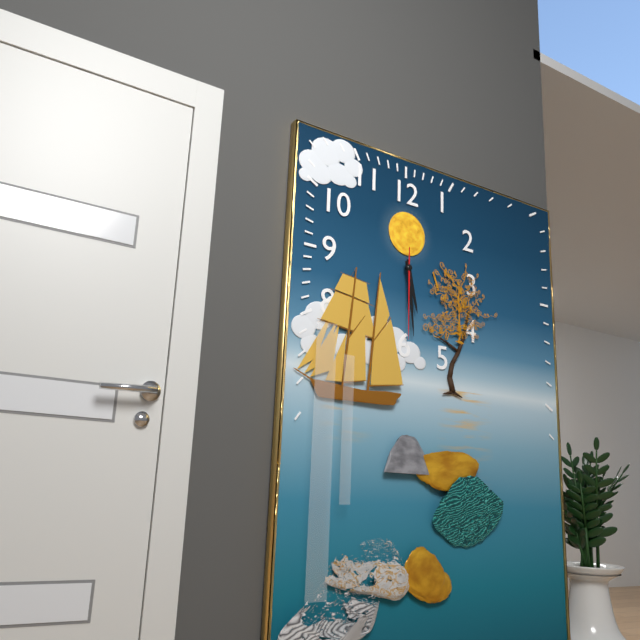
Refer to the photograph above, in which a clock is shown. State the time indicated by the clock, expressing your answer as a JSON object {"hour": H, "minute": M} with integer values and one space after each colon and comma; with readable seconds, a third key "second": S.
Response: {"hour": 5, "minute": 29, "second": 30}
